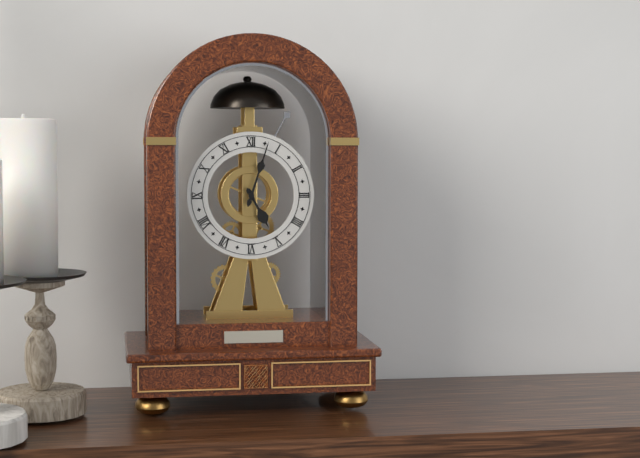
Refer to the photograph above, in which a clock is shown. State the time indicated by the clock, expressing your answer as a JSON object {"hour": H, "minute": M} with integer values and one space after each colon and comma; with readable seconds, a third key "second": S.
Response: {"hour": 5, "minute": 3}
